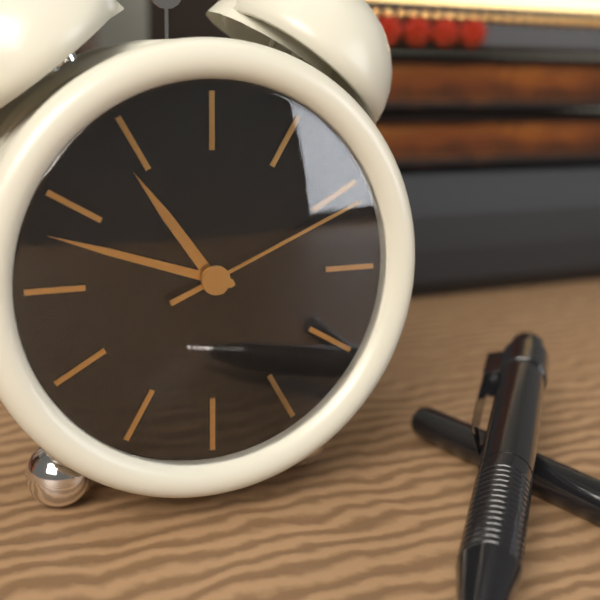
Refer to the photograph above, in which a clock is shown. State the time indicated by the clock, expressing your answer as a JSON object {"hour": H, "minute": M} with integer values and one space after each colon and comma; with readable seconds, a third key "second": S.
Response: {"hour": 10, "minute": 48, "second": 11}
